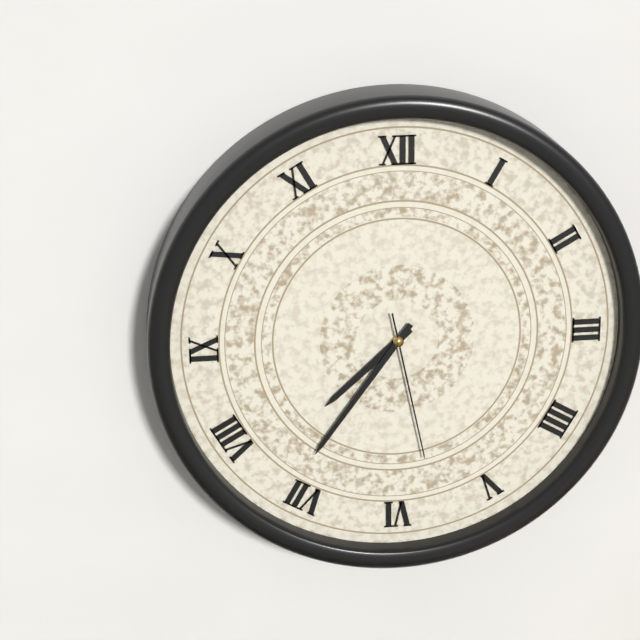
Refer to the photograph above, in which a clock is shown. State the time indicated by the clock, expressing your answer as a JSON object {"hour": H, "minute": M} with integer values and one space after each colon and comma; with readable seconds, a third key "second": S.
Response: {"hour": 7, "minute": 36, "second": 28}
